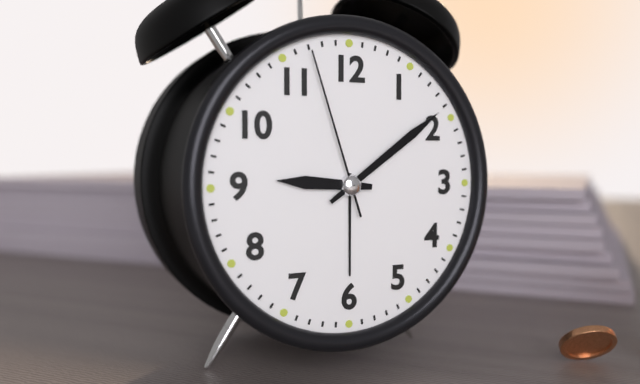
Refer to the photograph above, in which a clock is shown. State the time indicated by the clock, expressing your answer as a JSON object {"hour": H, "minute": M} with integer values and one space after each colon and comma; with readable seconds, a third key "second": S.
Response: {"hour": 9, "minute": 9, "second": 57}
